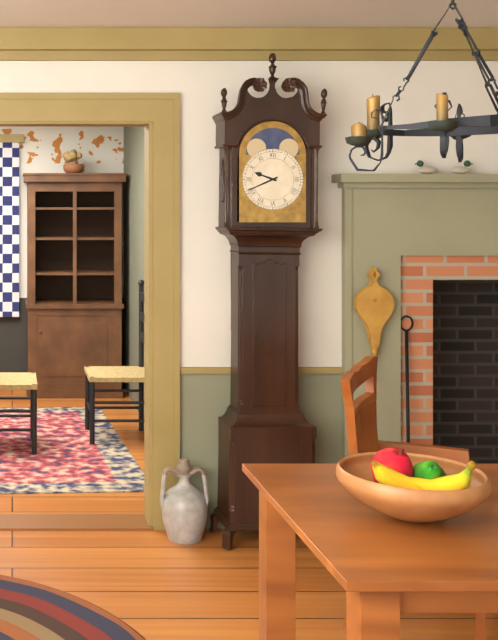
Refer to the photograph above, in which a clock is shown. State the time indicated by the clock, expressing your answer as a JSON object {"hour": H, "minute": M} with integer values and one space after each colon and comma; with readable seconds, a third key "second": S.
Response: {"hour": 9, "minute": 41}
